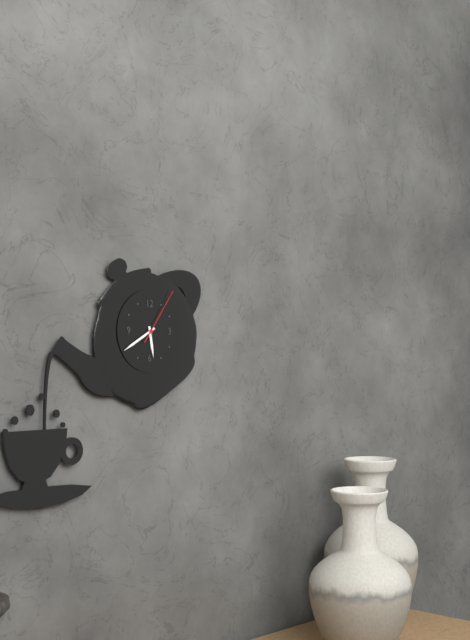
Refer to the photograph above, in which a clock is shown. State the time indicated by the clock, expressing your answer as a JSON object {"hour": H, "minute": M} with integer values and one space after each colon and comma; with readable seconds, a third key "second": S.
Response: {"hour": 5, "minute": 40, "second": 6}
